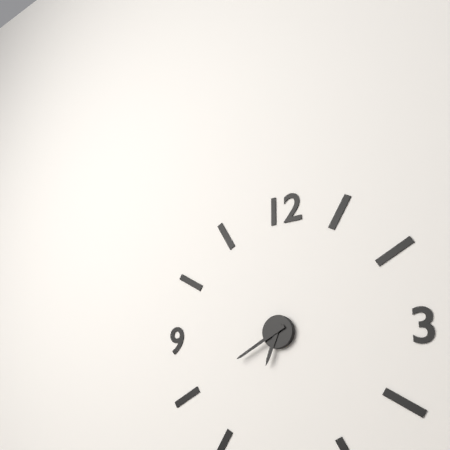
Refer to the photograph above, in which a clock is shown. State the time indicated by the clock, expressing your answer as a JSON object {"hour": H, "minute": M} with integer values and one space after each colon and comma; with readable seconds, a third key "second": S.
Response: {"hour": 6, "minute": 40}
